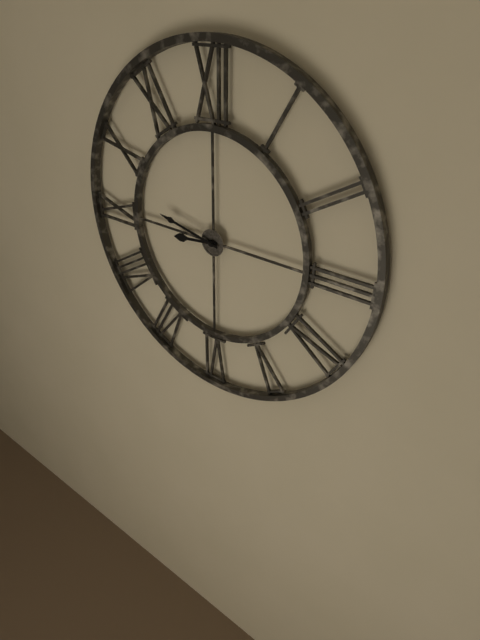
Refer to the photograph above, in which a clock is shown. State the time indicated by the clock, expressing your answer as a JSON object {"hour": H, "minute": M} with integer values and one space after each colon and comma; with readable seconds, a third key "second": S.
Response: {"hour": 8, "minute": 47}
